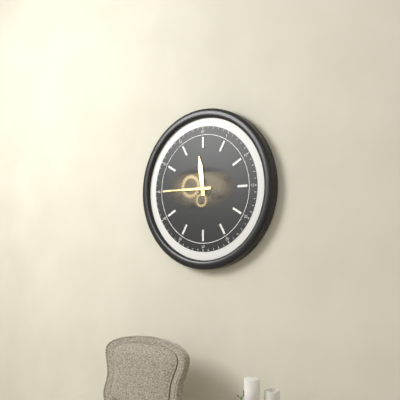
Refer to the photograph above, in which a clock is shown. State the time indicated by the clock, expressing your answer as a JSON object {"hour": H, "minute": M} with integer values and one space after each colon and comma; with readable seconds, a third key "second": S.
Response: {"hour": 11, "minute": 45}
